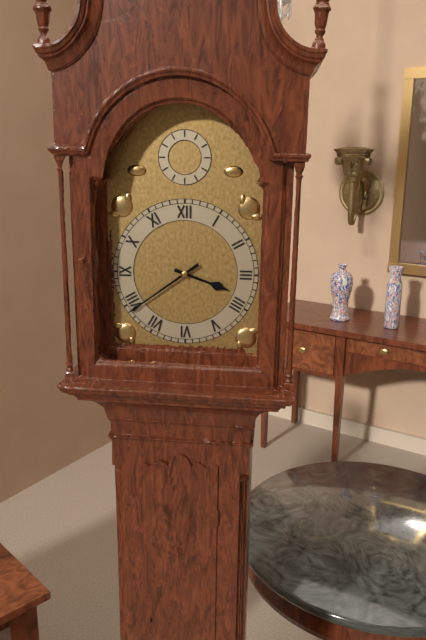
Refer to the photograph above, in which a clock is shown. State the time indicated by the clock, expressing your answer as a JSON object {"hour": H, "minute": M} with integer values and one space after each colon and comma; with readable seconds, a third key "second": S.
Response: {"hour": 3, "minute": 39}
